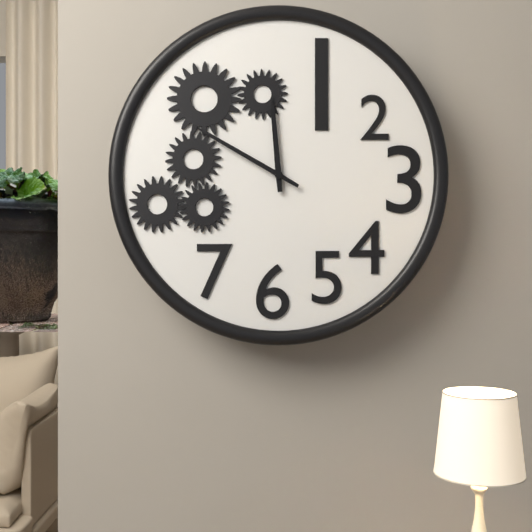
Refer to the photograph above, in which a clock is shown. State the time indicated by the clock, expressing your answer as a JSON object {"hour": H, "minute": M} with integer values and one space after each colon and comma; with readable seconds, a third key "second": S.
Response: {"hour": 11, "minute": 50}
